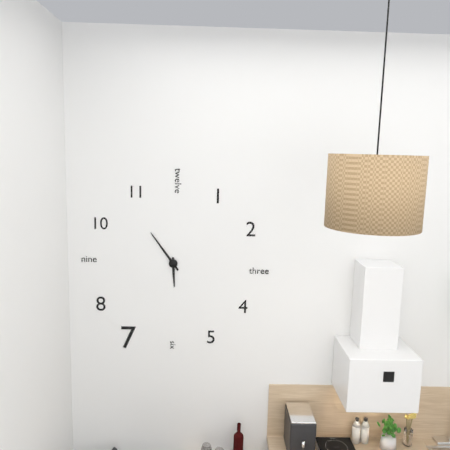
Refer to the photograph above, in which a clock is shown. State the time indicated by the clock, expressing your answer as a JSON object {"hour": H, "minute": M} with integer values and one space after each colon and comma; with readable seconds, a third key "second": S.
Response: {"hour": 5, "minute": 54}
